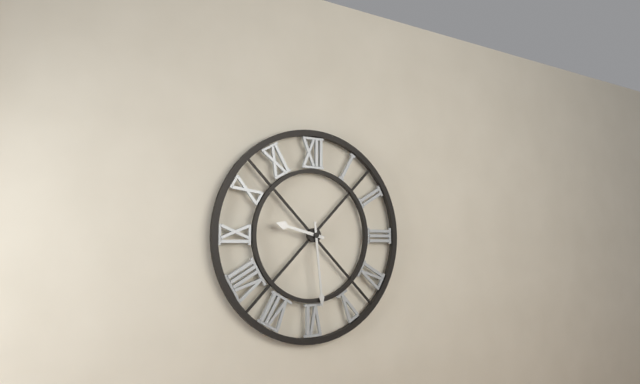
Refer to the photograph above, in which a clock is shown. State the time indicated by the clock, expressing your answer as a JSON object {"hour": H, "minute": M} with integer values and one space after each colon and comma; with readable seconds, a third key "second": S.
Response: {"hour": 9, "minute": 29}
